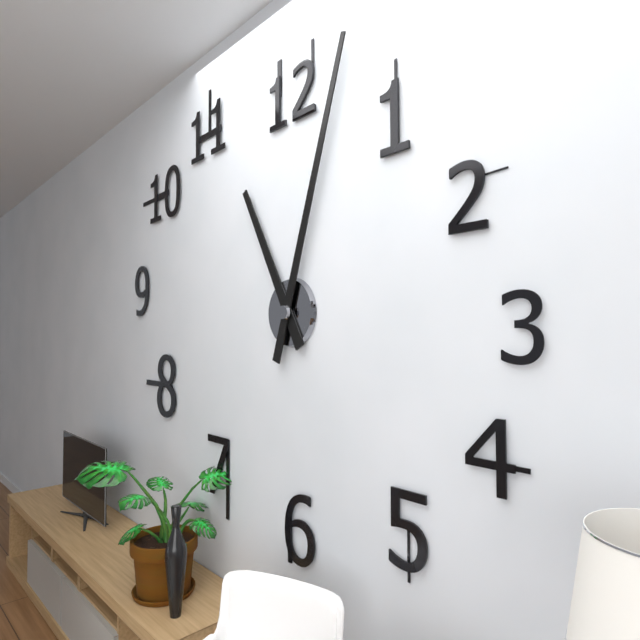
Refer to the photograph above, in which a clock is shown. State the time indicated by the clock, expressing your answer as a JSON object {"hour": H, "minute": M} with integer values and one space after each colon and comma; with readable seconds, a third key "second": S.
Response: {"hour": 11, "minute": 3}
